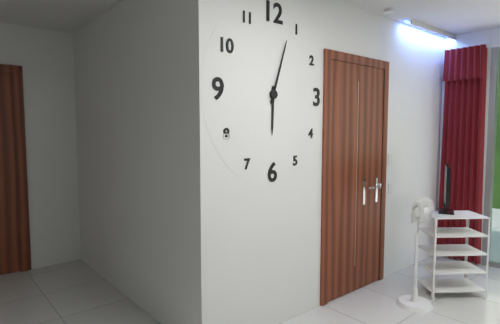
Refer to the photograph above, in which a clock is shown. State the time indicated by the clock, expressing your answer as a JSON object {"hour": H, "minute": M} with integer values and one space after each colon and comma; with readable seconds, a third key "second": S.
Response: {"hour": 6, "minute": 3}
